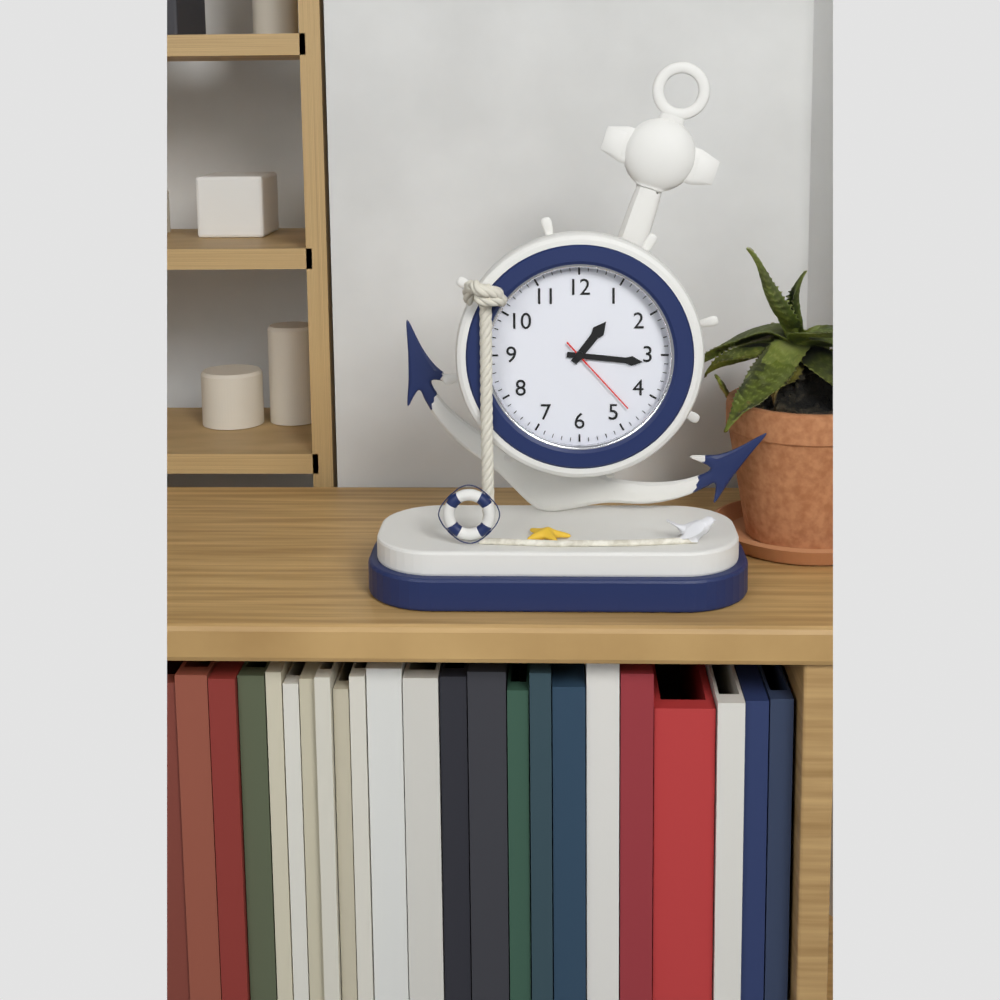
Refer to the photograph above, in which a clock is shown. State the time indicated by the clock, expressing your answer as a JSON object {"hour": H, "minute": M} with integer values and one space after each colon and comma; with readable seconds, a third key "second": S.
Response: {"hour": 1, "minute": 16, "second": 23}
